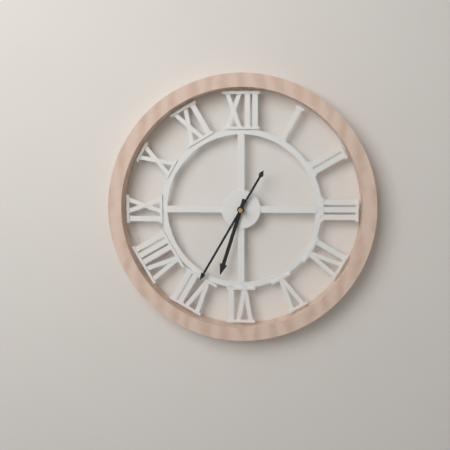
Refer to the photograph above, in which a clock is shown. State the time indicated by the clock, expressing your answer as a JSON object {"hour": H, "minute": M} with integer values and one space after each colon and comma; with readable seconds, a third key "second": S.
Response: {"hour": 6, "minute": 35}
